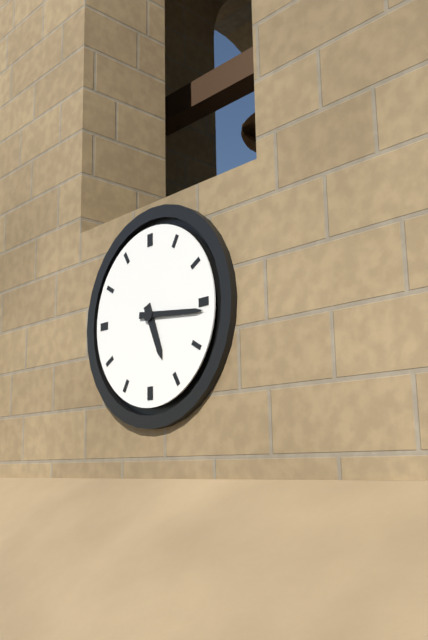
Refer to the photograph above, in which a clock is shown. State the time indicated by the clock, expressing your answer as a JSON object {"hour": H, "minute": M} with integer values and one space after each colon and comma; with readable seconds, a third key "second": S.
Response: {"hour": 5, "minute": 16}
